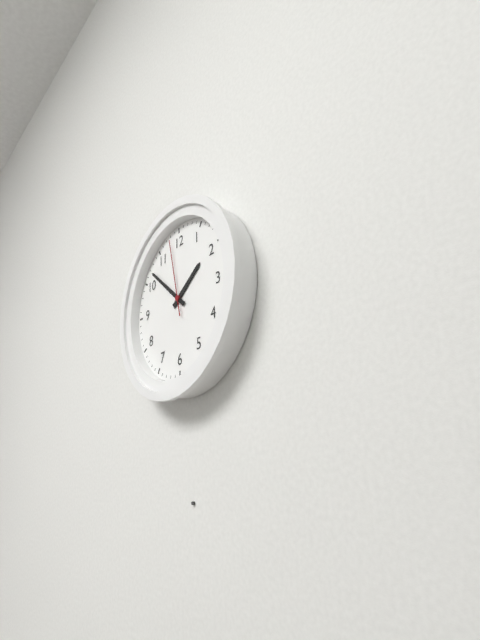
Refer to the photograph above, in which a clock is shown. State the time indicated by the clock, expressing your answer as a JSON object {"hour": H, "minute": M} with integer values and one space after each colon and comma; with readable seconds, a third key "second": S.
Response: {"hour": 1, "minute": 52, "second": 58}
